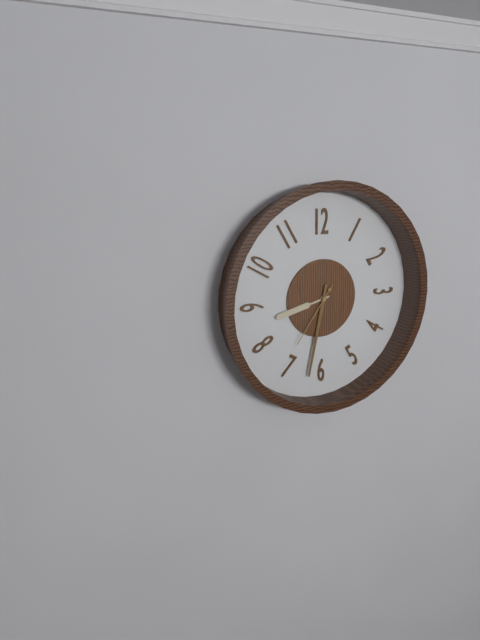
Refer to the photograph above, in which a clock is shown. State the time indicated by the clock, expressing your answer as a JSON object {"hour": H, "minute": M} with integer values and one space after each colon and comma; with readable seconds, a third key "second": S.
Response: {"hour": 8, "minute": 32, "second": 36}
